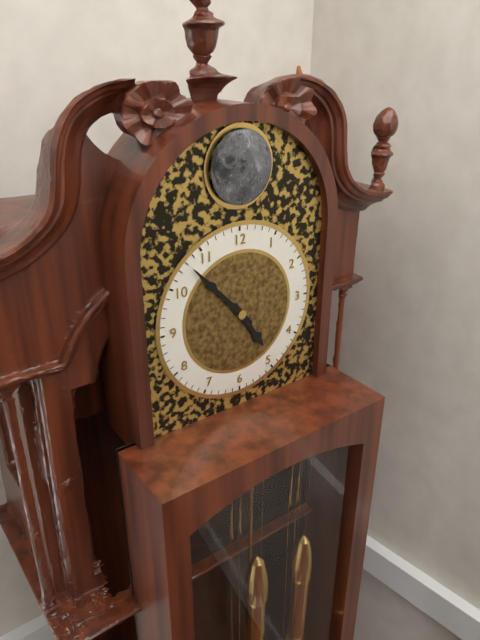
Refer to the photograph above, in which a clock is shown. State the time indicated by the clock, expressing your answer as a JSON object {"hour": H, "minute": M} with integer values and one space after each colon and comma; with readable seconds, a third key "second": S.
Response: {"hour": 4, "minute": 53}
